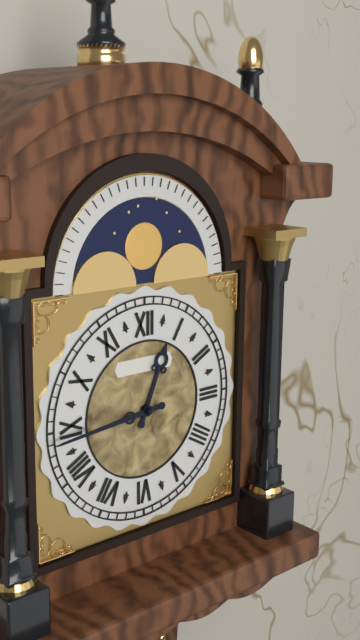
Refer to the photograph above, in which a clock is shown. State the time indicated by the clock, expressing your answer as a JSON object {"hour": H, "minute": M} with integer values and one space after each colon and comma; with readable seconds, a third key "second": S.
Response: {"hour": 12, "minute": 44}
